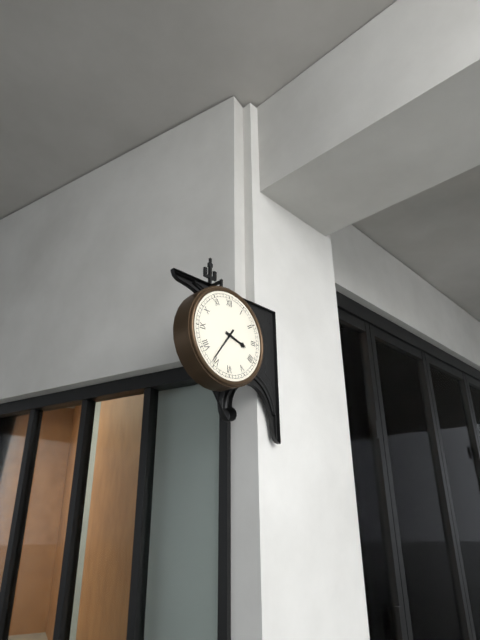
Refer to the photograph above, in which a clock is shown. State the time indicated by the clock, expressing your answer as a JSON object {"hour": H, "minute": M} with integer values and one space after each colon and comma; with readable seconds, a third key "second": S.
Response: {"hour": 3, "minute": 36}
